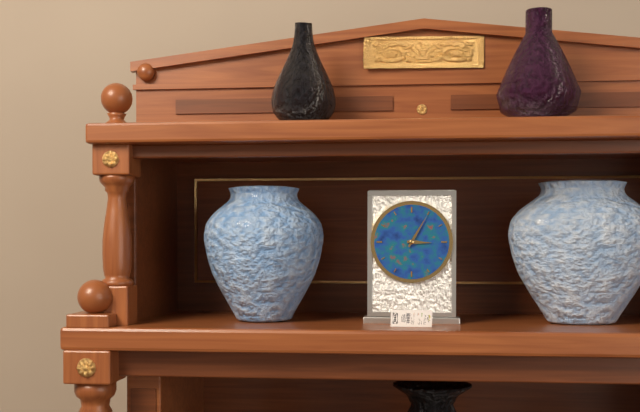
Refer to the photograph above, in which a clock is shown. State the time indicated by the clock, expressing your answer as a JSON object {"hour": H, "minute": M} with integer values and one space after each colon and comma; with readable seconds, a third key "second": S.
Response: {"hour": 3, "minute": 5}
